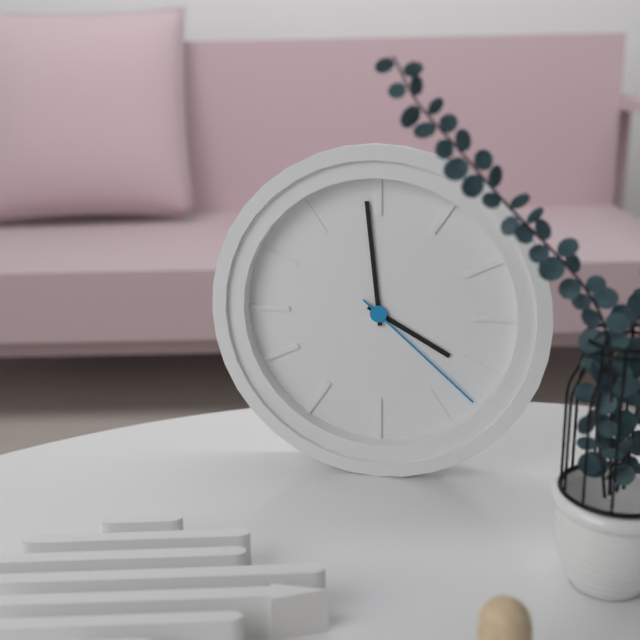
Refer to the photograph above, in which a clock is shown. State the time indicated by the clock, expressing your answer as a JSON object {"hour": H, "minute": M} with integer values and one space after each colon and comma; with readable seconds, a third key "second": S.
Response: {"hour": 3, "minute": 59, "second": 22}
